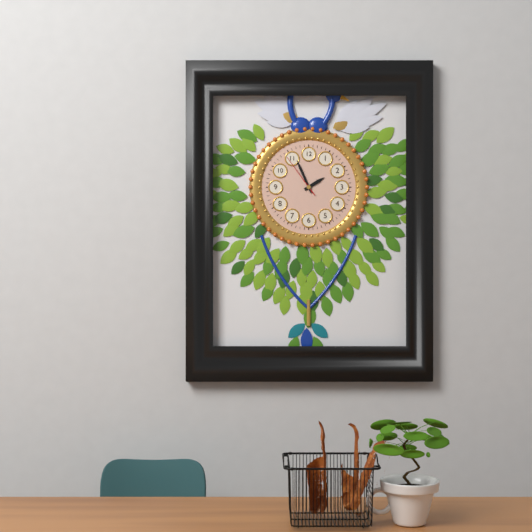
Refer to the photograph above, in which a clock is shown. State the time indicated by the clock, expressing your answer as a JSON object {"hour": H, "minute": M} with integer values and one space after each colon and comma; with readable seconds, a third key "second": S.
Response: {"hour": 1, "minute": 56}
